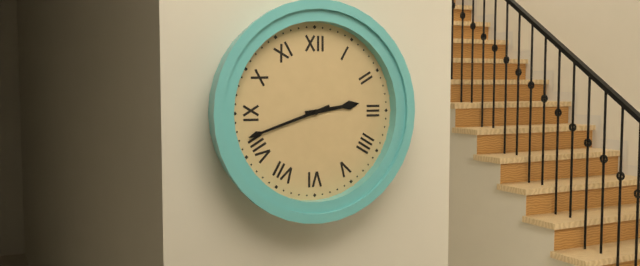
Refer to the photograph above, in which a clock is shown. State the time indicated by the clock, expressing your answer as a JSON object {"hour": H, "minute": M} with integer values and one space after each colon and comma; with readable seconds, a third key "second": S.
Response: {"hour": 2, "minute": 42}
